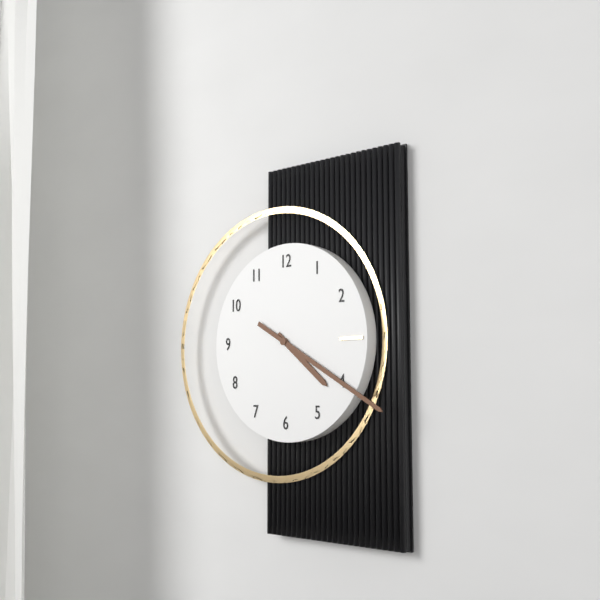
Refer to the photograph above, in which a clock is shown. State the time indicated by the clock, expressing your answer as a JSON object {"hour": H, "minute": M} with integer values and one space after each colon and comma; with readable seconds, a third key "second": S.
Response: {"hour": 4, "minute": 20}
